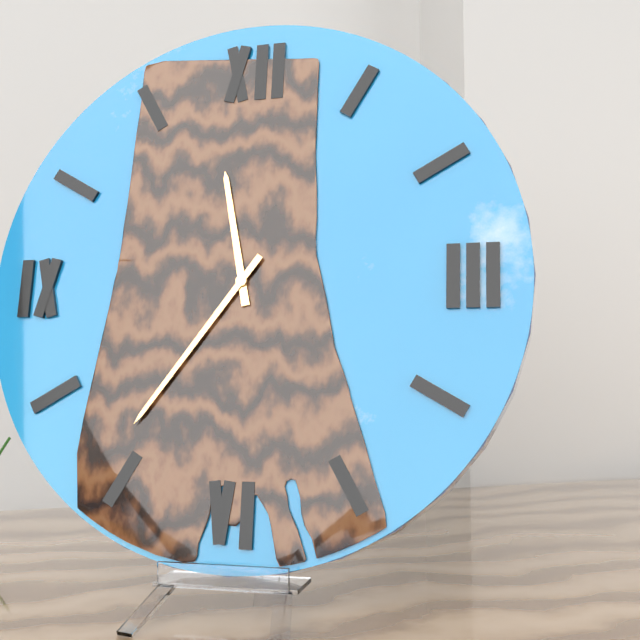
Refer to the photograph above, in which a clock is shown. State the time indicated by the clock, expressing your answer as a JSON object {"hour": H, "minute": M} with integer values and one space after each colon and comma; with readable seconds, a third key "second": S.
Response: {"hour": 11, "minute": 36}
